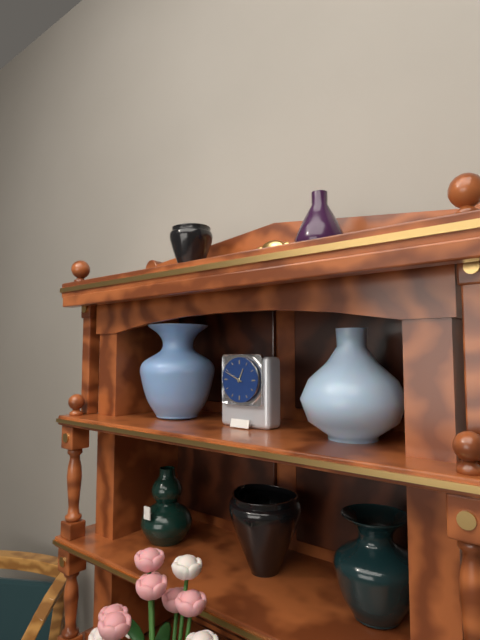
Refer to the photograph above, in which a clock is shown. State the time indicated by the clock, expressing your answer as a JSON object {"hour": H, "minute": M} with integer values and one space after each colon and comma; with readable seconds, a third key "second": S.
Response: {"hour": 12, "minute": 49}
